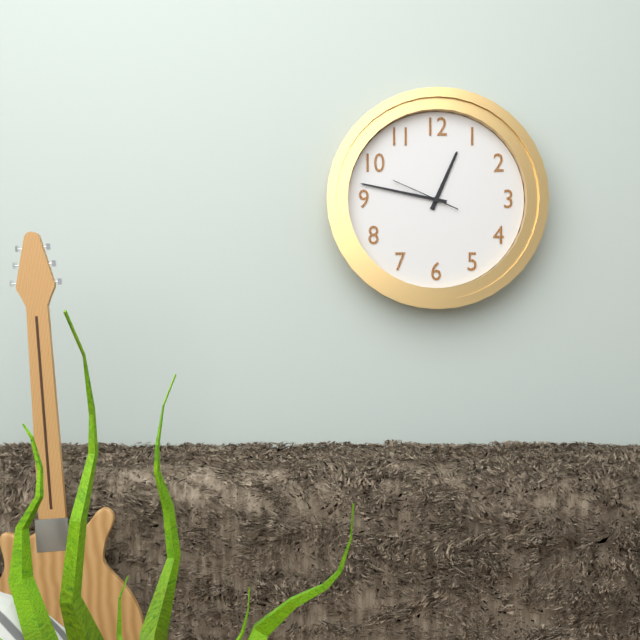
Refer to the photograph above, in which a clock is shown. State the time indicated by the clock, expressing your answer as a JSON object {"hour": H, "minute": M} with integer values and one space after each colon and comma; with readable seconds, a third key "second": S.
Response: {"hour": 12, "minute": 47, "second": 49}
